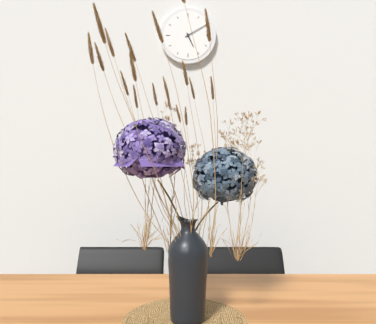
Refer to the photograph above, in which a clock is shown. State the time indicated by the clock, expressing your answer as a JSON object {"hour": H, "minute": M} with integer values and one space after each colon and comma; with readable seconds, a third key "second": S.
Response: {"hour": 5, "minute": 10}
